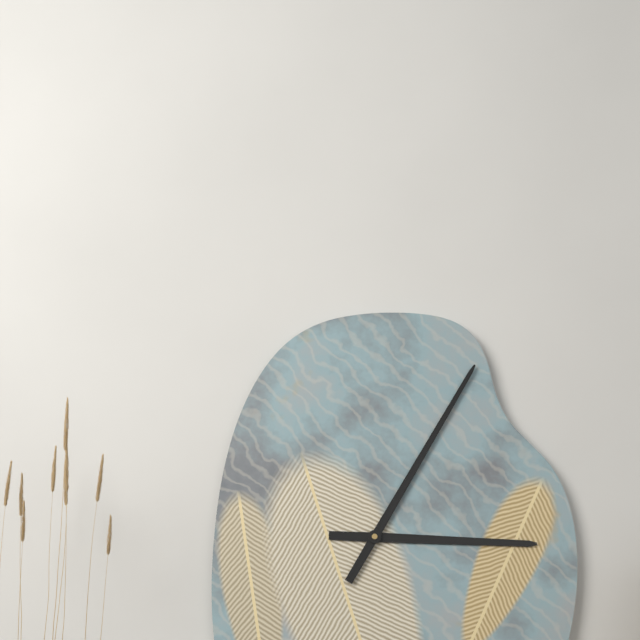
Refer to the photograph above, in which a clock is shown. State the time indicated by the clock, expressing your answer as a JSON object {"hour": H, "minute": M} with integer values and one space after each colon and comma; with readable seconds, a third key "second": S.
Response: {"hour": 3, "minute": 5}
